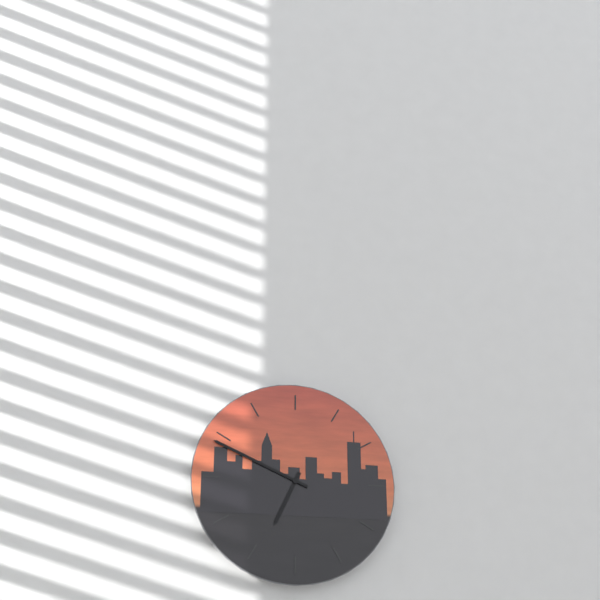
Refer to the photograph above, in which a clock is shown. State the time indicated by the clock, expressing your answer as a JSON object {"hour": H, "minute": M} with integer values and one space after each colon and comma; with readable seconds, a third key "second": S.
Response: {"hour": 6, "minute": 49}
